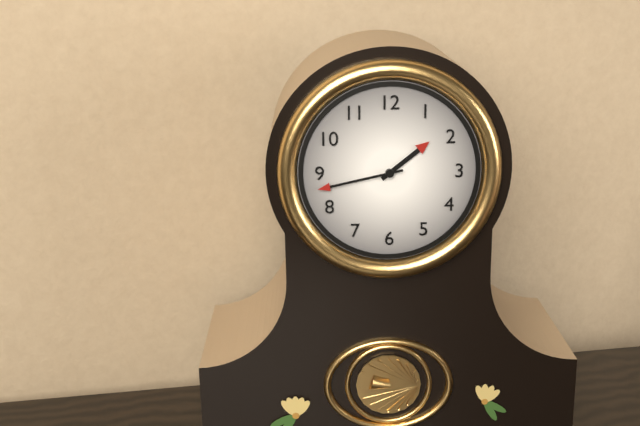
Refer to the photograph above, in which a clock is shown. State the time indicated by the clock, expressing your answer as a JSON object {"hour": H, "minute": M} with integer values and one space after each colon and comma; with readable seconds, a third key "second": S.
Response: {"hour": 1, "minute": 43}
